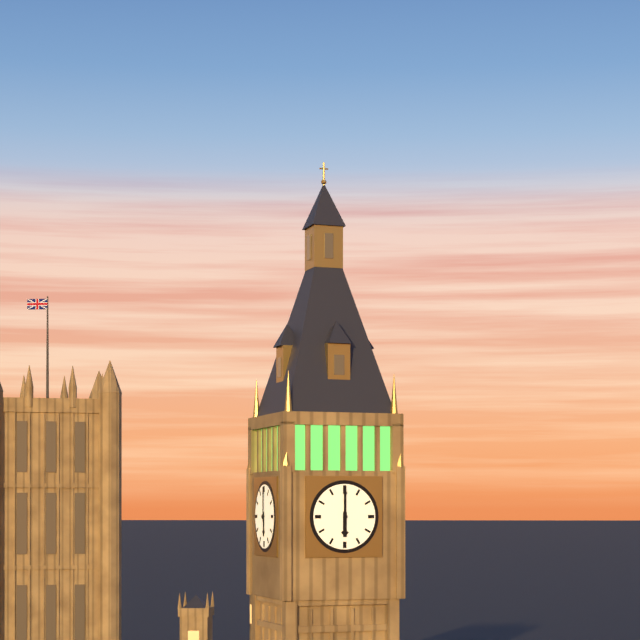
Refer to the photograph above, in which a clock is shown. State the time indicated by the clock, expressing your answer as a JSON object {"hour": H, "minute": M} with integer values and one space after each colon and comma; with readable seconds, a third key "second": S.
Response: {"hour": 6, "minute": 0}
